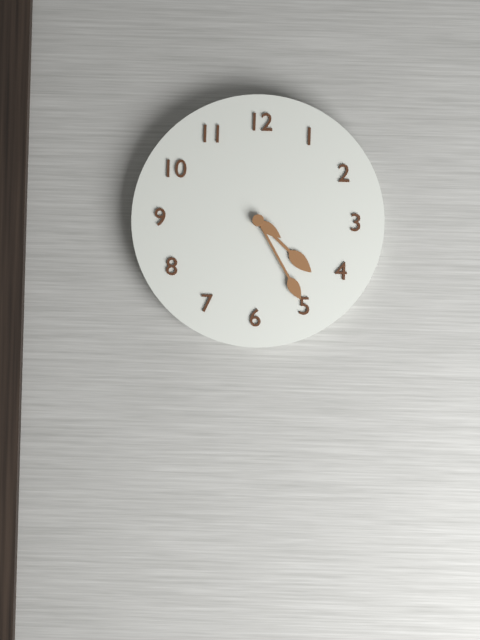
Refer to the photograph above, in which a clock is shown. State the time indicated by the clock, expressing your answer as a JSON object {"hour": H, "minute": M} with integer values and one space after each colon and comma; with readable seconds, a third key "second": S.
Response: {"hour": 4, "minute": 25}
